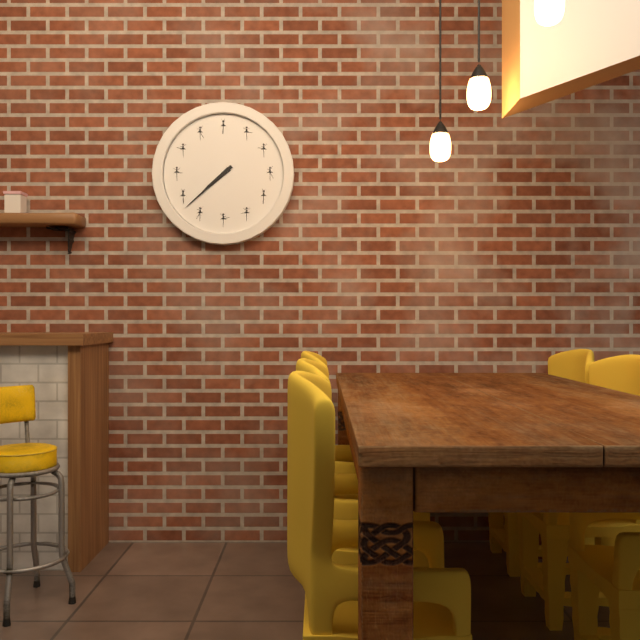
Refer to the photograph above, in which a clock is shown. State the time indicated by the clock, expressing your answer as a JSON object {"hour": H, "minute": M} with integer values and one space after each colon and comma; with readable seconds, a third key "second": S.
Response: {"hour": 7, "minute": 38}
